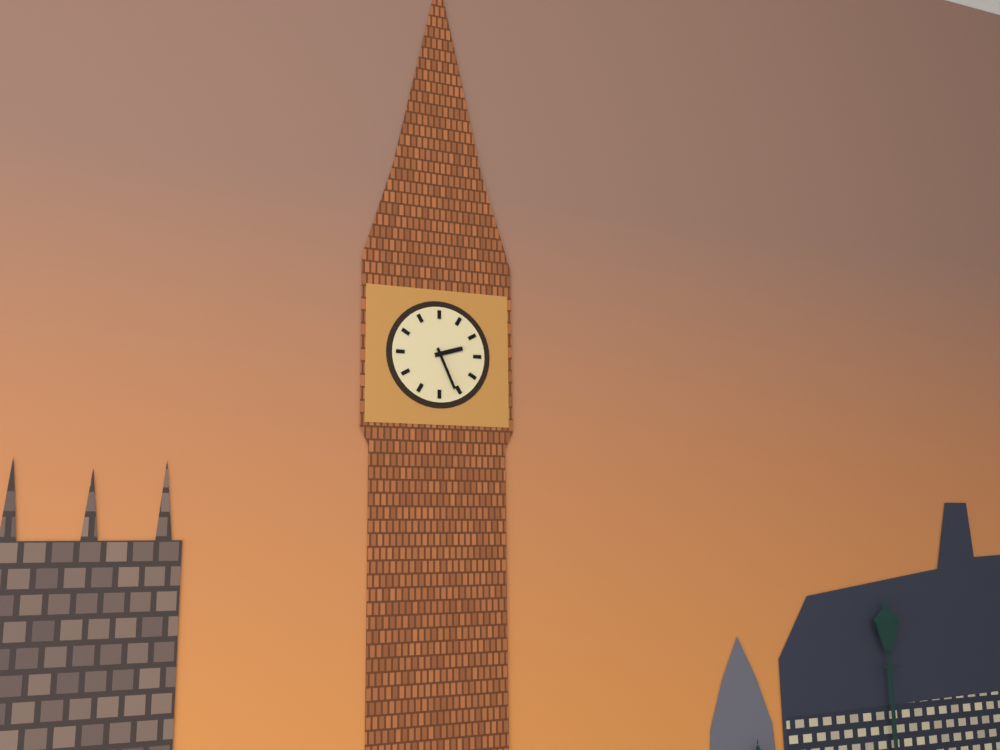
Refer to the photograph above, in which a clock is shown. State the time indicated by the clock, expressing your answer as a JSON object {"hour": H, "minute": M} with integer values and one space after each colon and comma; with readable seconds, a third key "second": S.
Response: {"hour": 2, "minute": 26}
